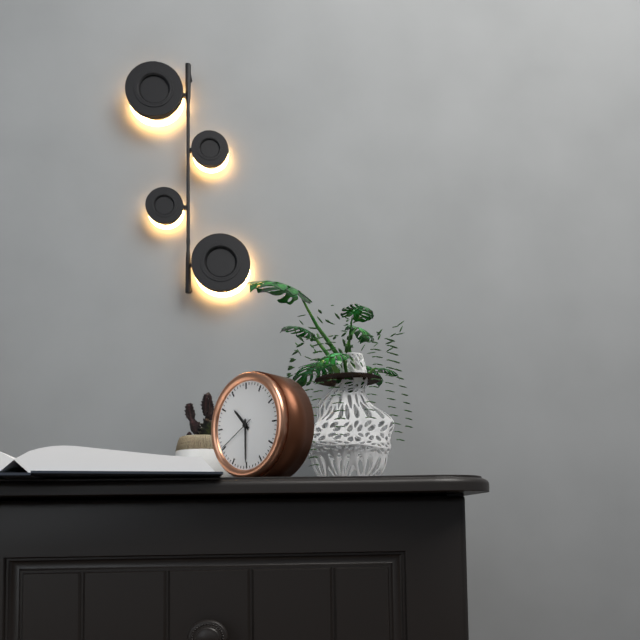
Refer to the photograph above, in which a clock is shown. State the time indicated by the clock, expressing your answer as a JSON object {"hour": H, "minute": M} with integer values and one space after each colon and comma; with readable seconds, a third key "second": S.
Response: {"hour": 10, "minute": 30, "second": 40}
